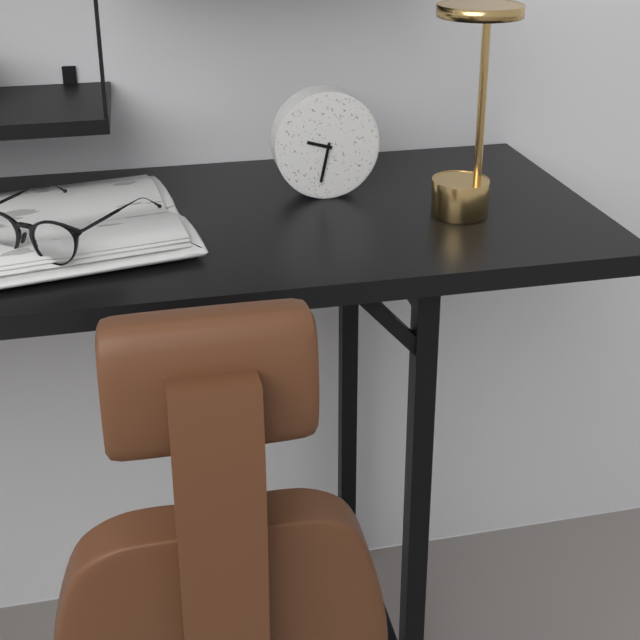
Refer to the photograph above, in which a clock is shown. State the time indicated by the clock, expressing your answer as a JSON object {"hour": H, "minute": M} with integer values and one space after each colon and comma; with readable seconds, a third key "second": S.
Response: {"hour": 9, "minute": 32}
